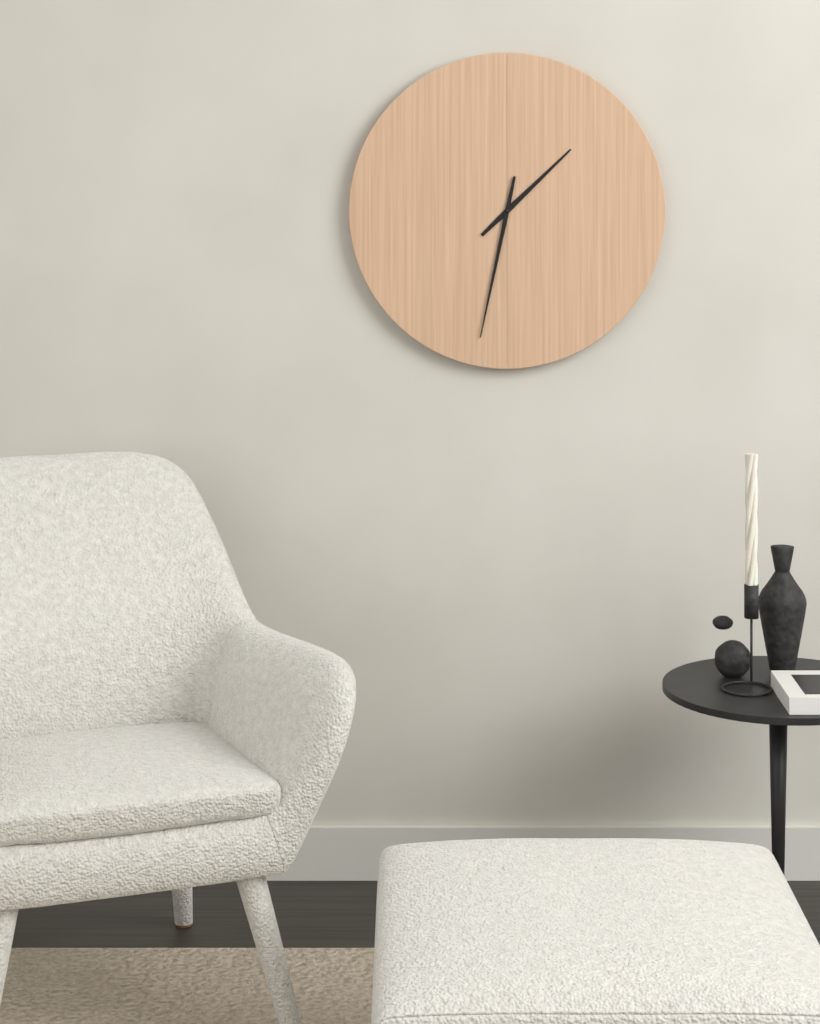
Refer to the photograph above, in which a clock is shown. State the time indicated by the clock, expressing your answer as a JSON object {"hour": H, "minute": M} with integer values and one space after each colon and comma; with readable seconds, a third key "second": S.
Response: {"hour": 1, "minute": 32}
